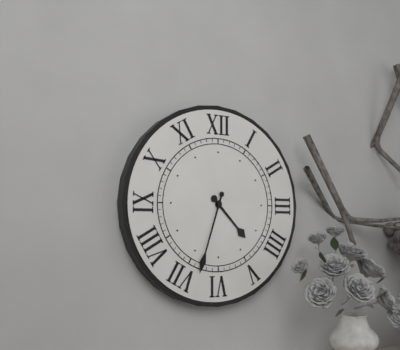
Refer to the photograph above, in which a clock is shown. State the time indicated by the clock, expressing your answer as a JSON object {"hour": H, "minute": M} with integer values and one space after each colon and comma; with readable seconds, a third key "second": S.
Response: {"hour": 4, "minute": 33}
